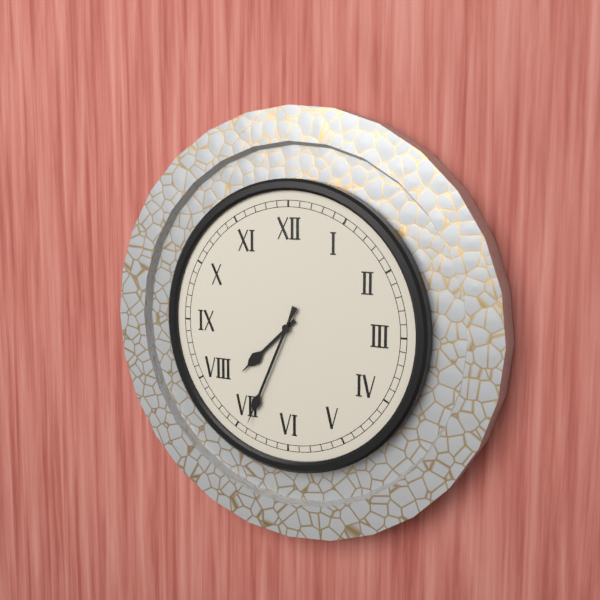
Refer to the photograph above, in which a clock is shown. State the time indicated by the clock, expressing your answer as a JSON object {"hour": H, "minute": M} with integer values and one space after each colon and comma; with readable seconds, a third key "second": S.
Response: {"hour": 7, "minute": 34}
